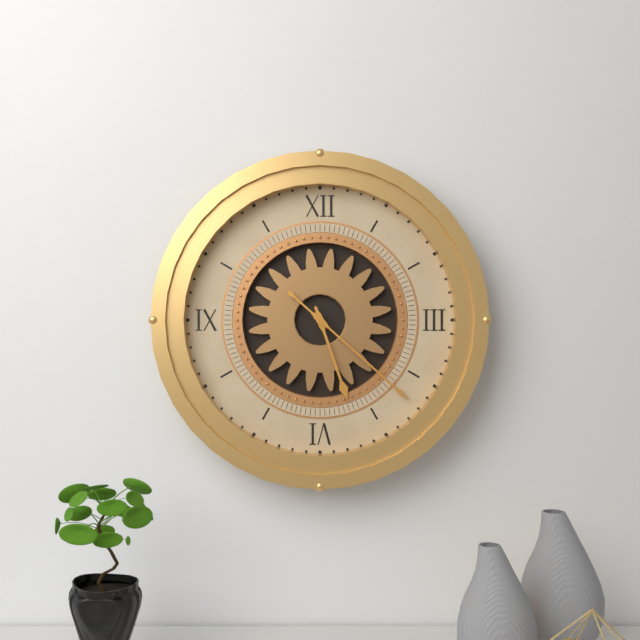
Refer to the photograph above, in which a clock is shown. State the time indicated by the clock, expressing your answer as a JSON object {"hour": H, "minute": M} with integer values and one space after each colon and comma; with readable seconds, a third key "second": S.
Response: {"hour": 5, "minute": 22}
